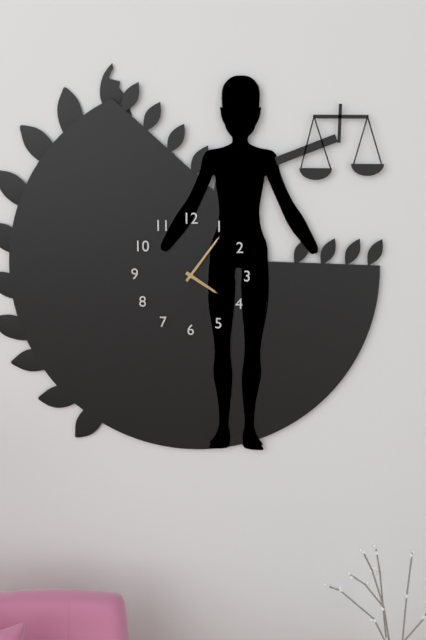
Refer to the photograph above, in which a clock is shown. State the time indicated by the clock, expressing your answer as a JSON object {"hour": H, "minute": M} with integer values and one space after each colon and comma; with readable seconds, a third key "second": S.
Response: {"hour": 4, "minute": 6}
